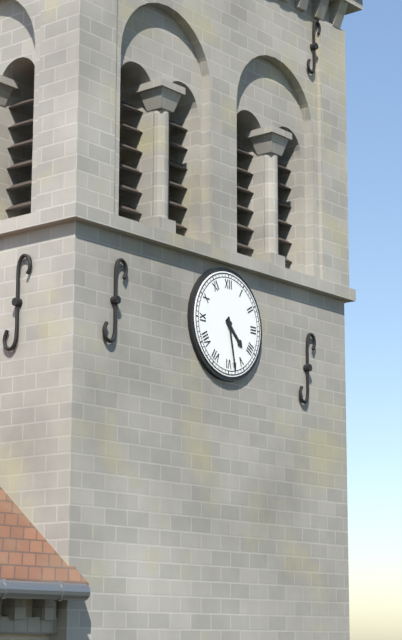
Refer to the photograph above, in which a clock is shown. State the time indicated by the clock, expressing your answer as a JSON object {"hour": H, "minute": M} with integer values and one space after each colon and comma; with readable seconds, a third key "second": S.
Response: {"hour": 4, "minute": 28}
